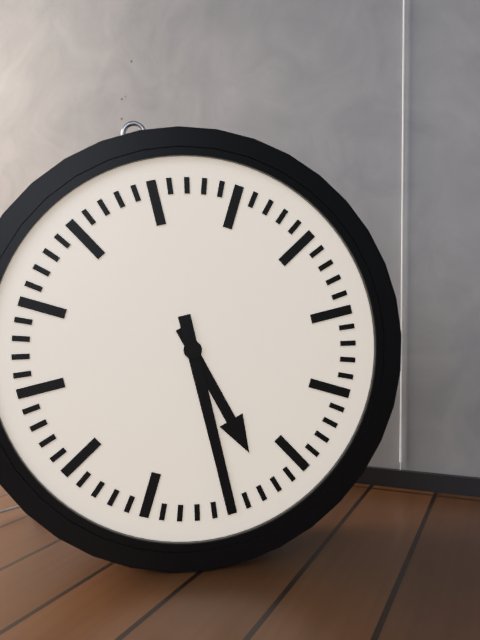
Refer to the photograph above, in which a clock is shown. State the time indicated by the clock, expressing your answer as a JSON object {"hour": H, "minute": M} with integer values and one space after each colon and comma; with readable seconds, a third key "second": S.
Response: {"hour": 5, "minute": 30}
